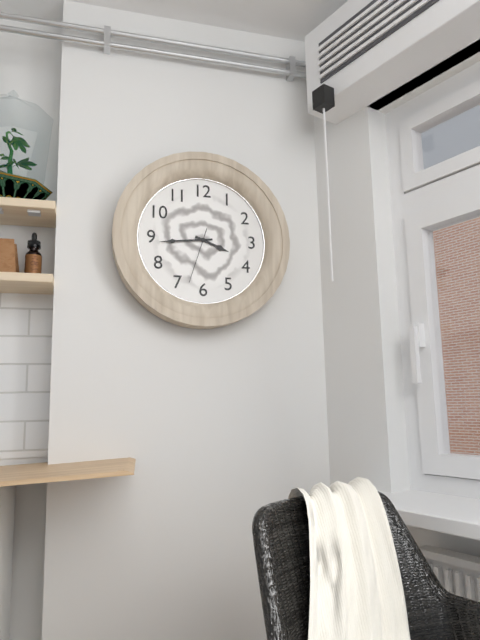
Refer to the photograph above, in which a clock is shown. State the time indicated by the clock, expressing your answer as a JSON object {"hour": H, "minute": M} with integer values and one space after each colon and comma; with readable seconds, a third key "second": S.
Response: {"hour": 3, "minute": 44, "second": 33}
